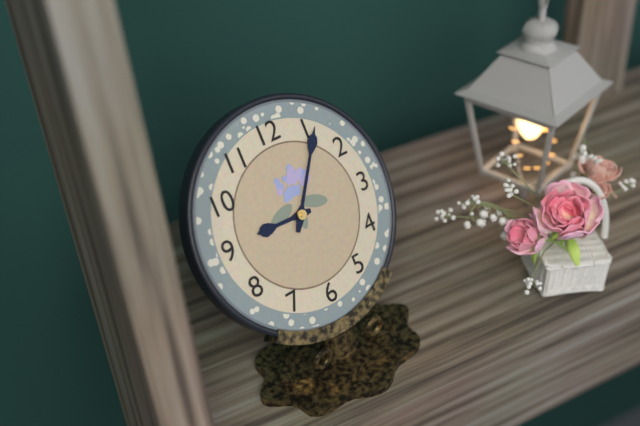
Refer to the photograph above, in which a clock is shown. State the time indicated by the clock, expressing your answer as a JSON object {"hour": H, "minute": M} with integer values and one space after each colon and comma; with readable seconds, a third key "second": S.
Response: {"hour": 9, "minute": 6}
